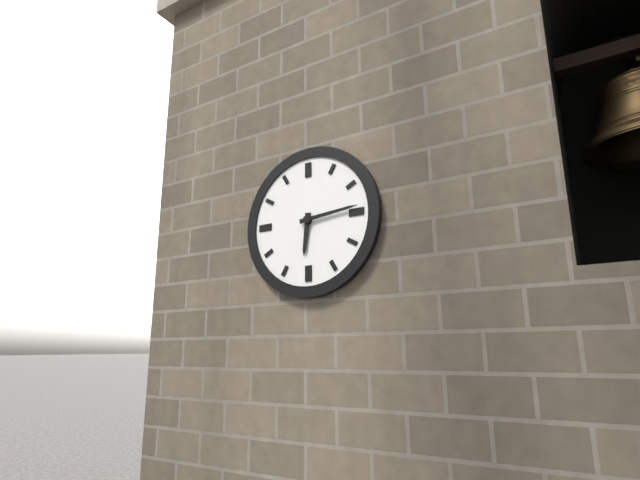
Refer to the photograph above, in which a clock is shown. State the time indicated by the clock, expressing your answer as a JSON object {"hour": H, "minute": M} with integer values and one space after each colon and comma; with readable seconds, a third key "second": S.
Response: {"hour": 6, "minute": 14}
